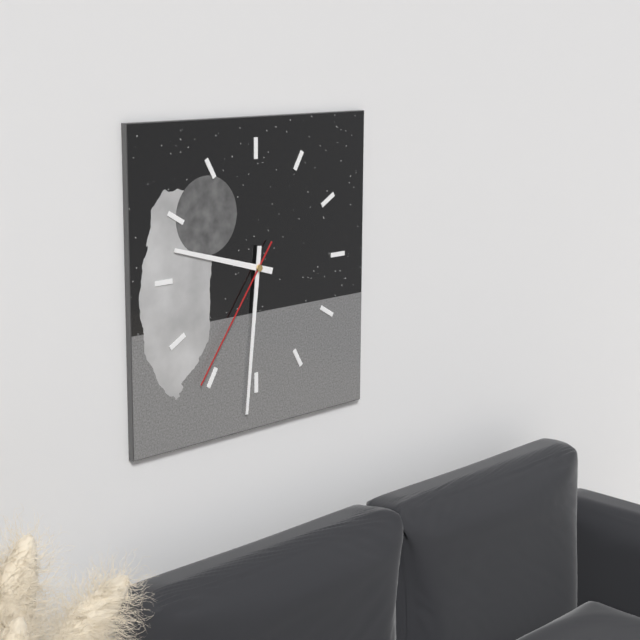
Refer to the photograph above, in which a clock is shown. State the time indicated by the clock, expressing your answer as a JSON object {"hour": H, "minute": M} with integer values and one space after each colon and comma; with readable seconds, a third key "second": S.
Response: {"hour": 9, "minute": 31, "second": 36}
